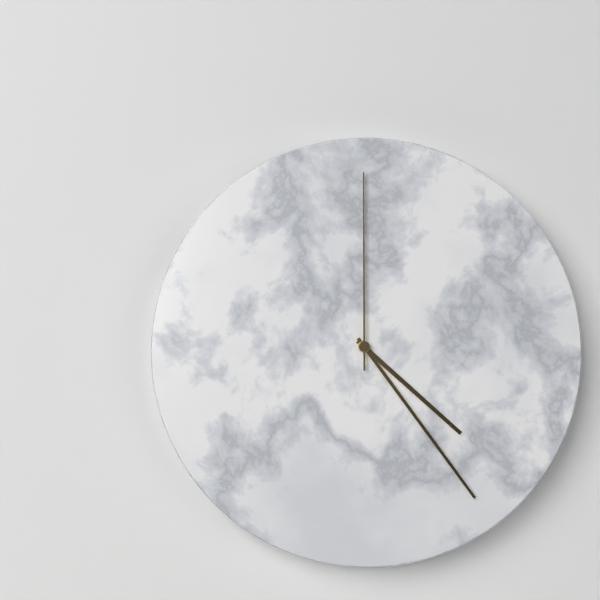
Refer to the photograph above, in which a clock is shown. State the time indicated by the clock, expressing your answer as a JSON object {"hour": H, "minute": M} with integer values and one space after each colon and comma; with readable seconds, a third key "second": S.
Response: {"hour": 4, "minute": 24, "second": 0}
